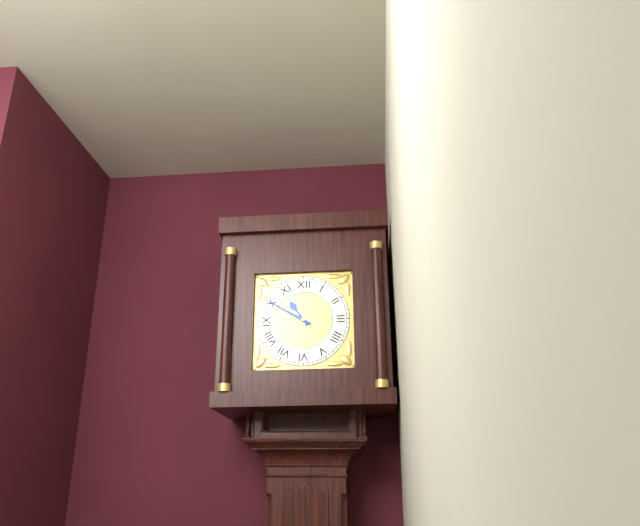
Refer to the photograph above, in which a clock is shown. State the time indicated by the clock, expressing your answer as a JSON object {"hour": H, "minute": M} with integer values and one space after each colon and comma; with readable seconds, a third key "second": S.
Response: {"hour": 10, "minute": 50}
